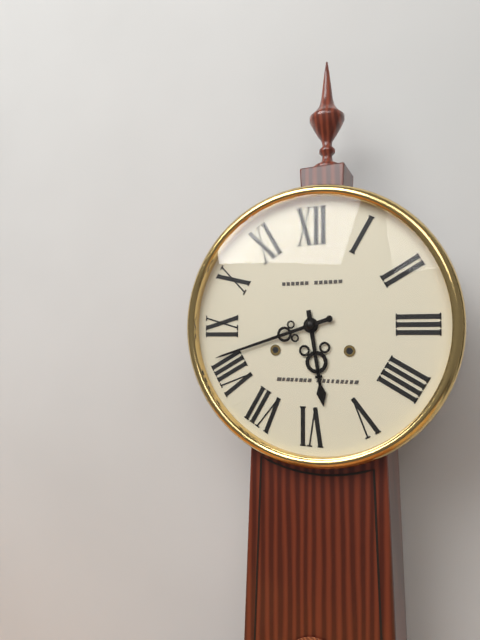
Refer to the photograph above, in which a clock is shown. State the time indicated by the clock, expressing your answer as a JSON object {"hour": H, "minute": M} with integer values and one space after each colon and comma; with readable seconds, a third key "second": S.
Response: {"hour": 5, "minute": 42}
